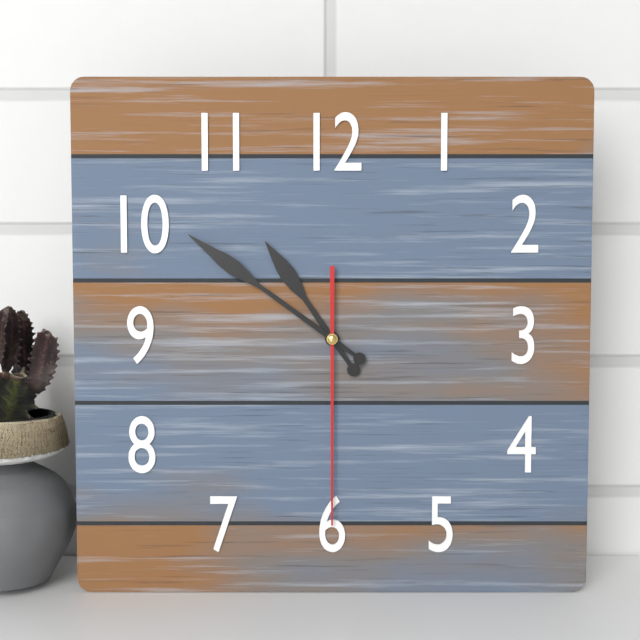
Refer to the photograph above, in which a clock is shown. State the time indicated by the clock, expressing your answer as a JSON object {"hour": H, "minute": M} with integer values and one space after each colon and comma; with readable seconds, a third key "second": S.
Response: {"hour": 10, "minute": 51, "second": 30}
